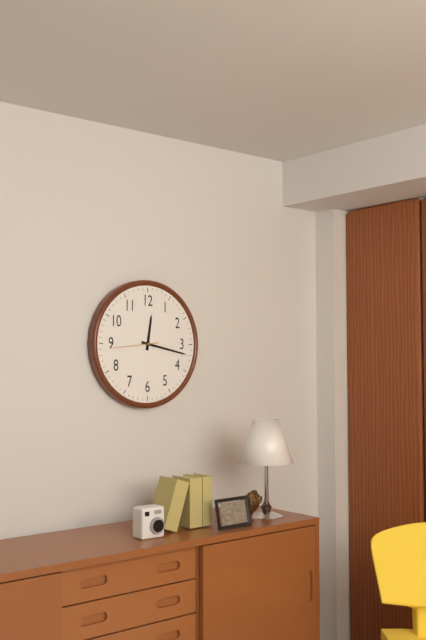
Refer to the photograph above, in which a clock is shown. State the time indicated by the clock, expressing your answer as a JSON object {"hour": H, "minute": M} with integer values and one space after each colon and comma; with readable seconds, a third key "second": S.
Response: {"hour": 12, "minute": 17}
